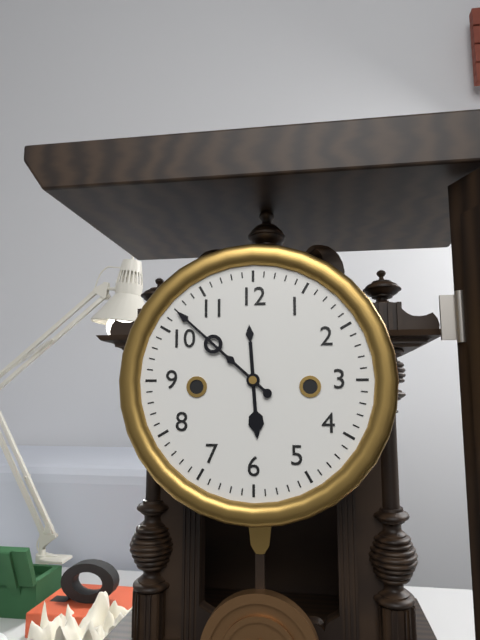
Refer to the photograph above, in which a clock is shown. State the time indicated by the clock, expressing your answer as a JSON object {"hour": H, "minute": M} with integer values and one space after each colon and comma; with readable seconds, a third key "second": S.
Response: {"hour": 5, "minute": 52}
